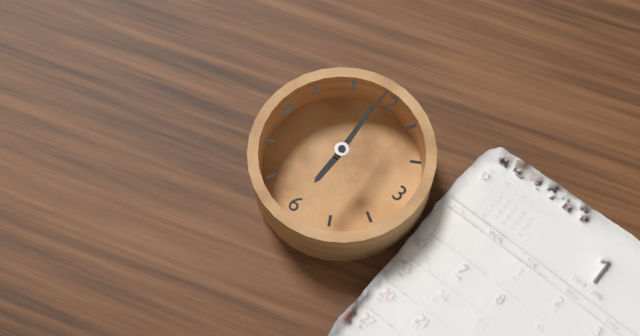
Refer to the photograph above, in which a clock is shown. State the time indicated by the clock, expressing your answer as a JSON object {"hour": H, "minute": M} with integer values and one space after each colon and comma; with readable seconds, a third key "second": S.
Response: {"hour": 5, "minute": 59}
